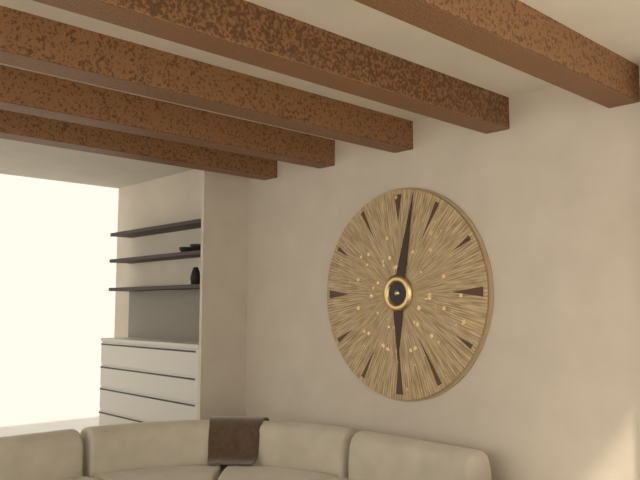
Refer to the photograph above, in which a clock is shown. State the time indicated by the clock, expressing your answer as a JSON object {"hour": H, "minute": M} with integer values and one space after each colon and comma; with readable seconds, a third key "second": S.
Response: {"hour": 6, "minute": 2}
